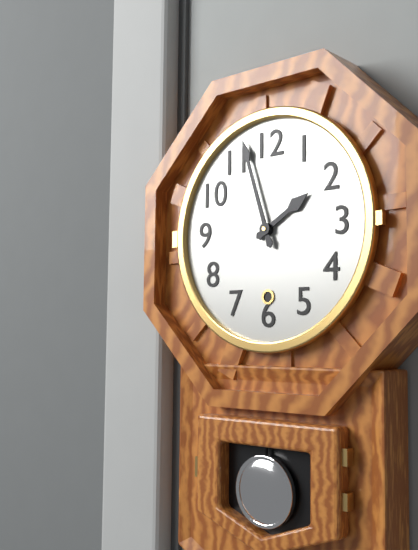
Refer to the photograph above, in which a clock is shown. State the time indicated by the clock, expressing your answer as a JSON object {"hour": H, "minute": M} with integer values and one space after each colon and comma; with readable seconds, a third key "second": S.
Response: {"hour": 1, "minute": 57}
